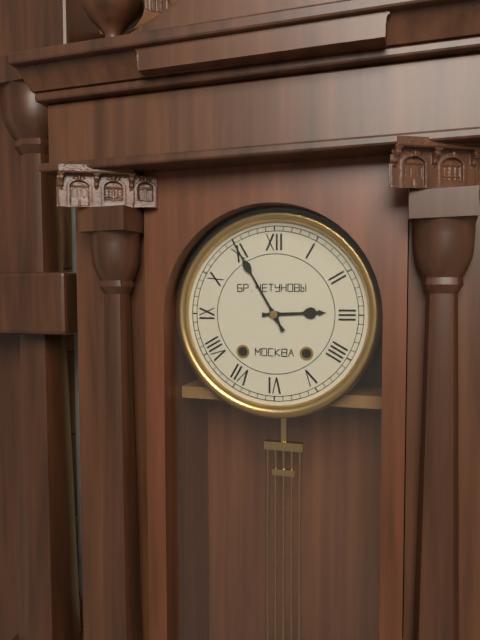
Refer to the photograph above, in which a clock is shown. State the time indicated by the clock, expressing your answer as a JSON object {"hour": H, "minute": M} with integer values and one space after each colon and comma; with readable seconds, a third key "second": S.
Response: {"hour": 2, "minute": 55}
